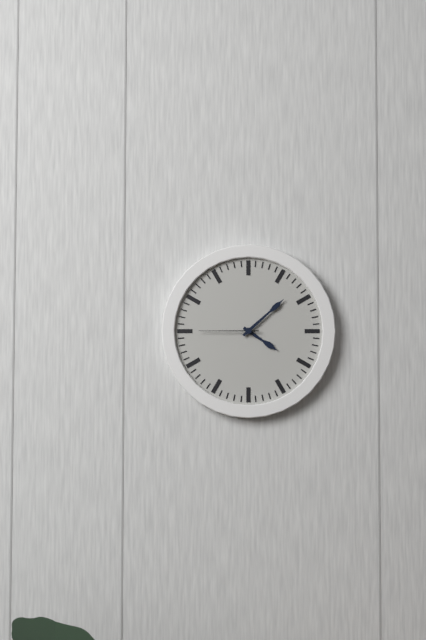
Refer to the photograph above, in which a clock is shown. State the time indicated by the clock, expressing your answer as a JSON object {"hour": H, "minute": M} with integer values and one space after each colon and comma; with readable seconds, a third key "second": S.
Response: {"hour": 4, "minute": 8, "second": 45}
